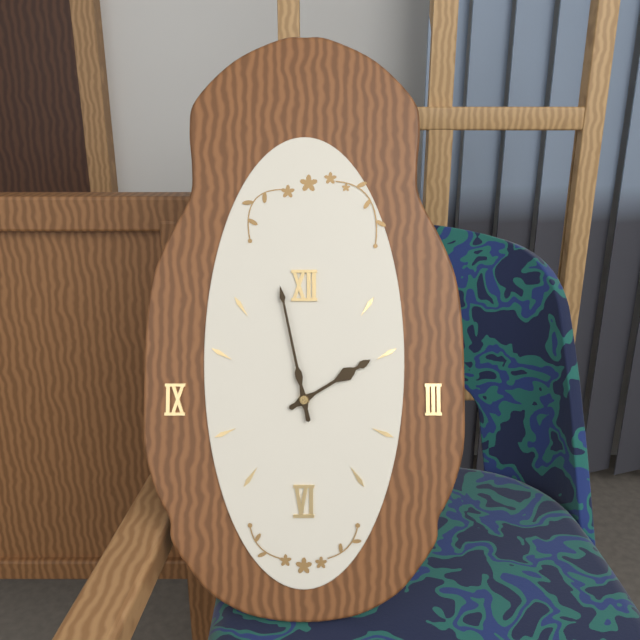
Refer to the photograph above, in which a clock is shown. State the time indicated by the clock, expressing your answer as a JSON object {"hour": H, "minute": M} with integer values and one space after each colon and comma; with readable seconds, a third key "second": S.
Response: {"hour": 1, "minute": 58}
